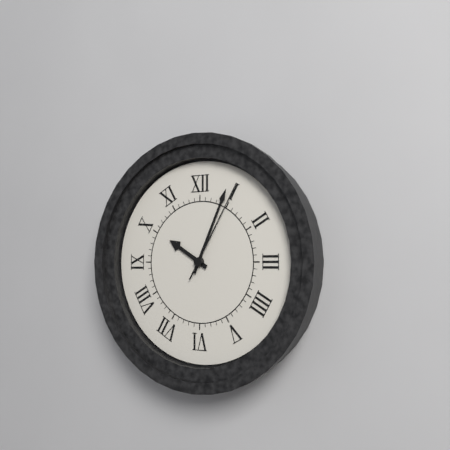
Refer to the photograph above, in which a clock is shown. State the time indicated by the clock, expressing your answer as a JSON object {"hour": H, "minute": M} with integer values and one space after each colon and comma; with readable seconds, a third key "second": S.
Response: {"hour": 10, "minute": 4, "second": 5}
